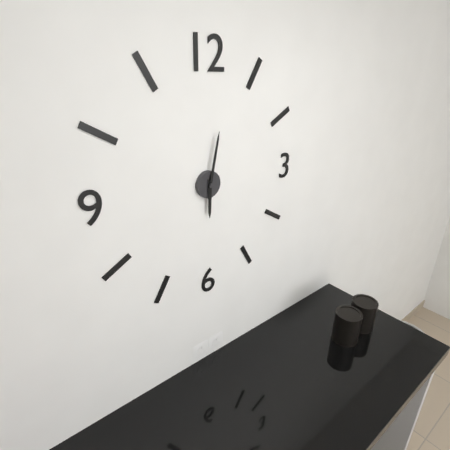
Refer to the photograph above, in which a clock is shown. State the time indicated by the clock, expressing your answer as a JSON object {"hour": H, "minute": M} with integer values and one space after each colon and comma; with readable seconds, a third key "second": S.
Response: {"hour": 6, "minute": 2}
